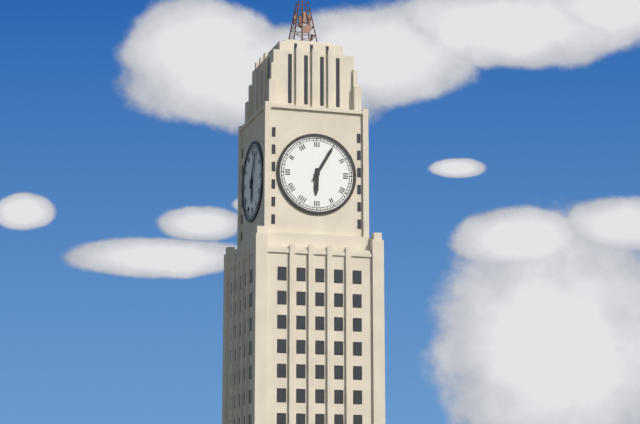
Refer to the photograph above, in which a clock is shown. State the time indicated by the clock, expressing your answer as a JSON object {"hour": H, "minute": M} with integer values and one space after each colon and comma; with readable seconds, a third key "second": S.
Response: {"hour": 6, "minute": 5}
